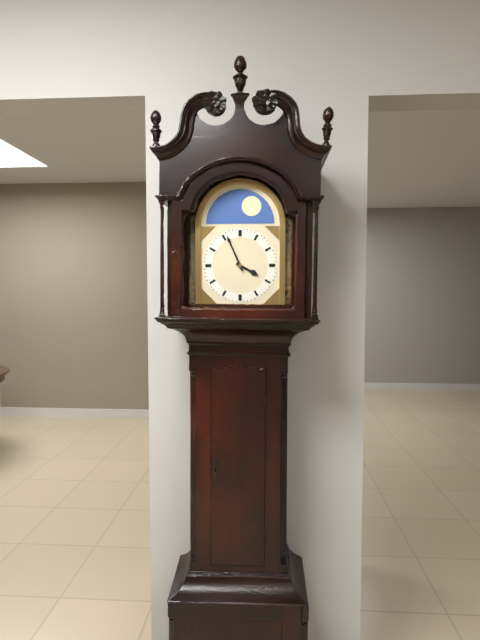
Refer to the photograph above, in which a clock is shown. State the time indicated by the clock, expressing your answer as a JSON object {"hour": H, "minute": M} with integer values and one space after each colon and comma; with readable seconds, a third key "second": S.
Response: {"hour": 3, "minute": 56}
